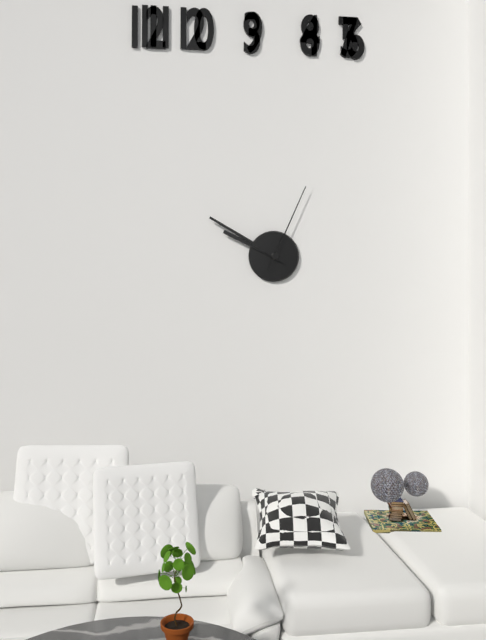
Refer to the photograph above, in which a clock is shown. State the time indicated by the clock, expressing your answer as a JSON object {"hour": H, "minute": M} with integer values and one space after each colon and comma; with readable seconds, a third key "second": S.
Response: {"hour": 9, "minute": 50, "second": 4}
